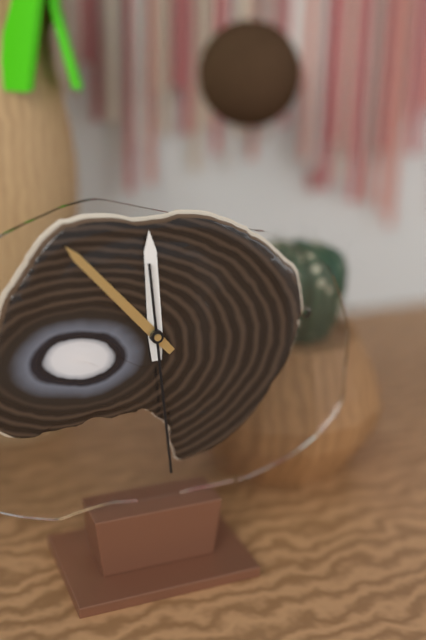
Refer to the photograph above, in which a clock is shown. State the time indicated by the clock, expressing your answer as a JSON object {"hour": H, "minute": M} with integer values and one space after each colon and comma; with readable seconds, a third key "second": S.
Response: {"hour": 11, "minute": 53, "second": 29}
